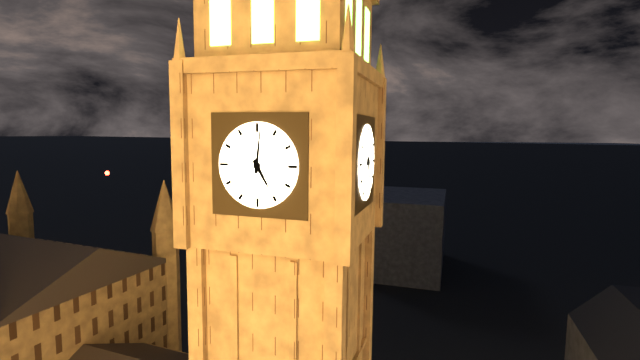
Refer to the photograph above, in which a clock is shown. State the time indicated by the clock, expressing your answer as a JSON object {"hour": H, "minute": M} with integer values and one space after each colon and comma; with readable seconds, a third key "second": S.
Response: {"hour": 5, "minute": 1}
